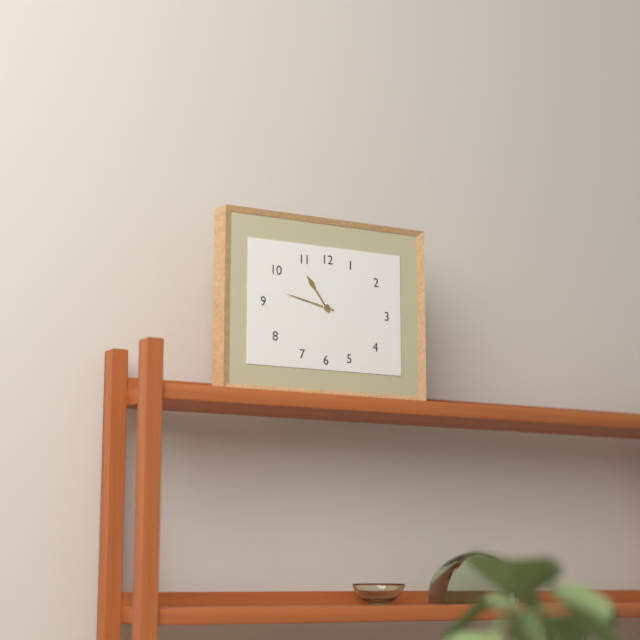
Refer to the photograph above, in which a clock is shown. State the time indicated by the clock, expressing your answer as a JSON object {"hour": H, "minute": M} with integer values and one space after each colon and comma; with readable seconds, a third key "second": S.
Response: {"hour": 10, "minute": 47}
